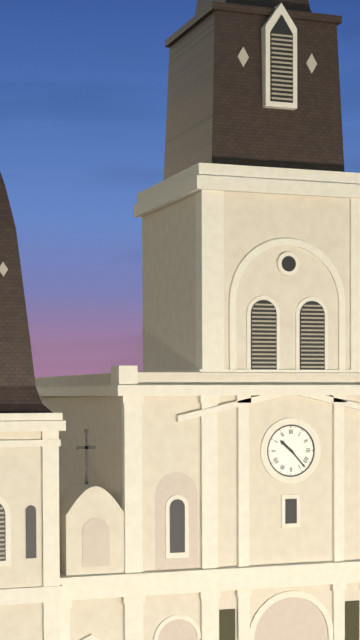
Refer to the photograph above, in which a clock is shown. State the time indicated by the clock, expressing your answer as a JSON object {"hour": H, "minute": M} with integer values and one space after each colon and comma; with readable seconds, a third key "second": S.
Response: {"hour": 10, "minute": 23}
